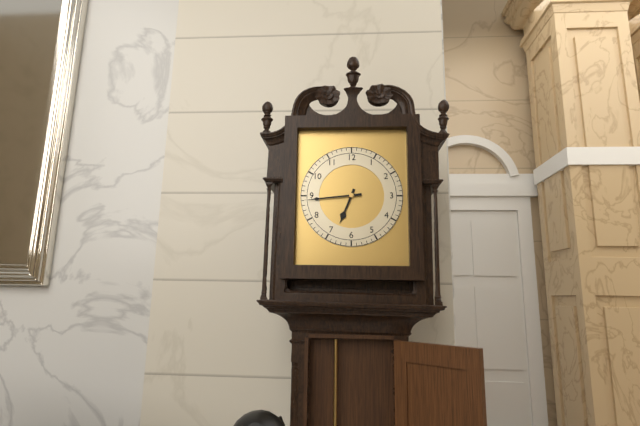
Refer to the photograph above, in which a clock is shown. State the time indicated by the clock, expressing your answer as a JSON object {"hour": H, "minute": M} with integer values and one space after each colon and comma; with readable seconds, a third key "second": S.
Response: {"hour": 6, "minute": 44}
